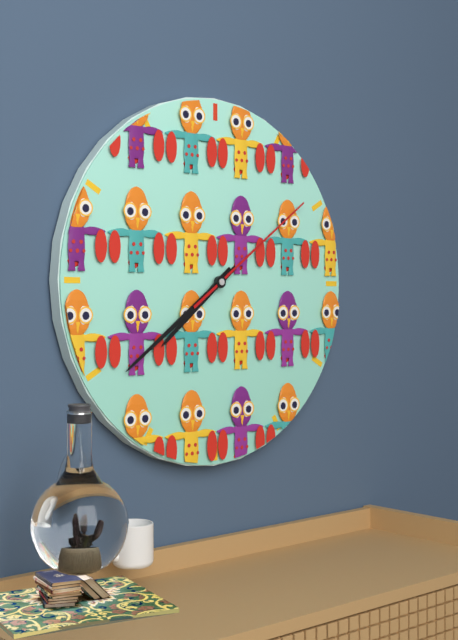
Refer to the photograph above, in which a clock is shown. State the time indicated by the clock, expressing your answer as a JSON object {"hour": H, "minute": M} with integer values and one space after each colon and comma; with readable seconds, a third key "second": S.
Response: {"hour": 7, "minute": 39, "second": 9}
